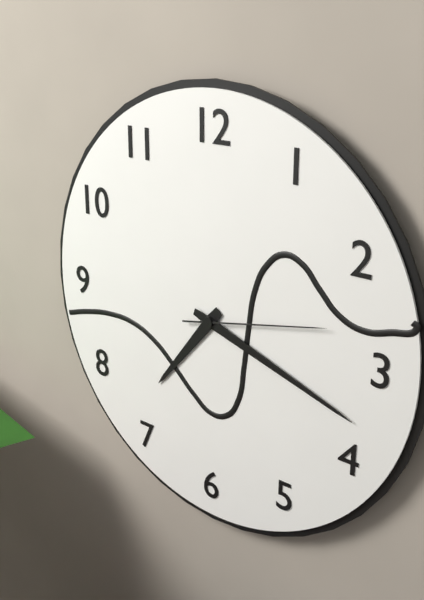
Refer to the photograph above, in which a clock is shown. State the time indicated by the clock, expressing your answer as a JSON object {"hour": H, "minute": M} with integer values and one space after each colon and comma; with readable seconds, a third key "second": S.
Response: {"hour": 7, "minute": 18, "second": 13}
